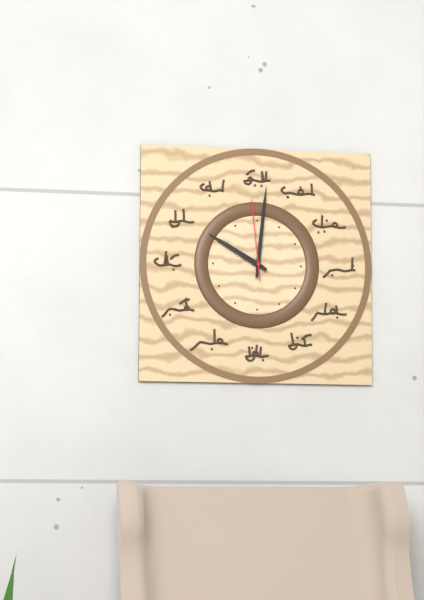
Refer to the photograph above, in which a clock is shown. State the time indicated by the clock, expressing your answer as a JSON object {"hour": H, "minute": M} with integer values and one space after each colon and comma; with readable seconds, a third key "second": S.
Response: {"hour": 10, "minute": 1, "second": 59}
